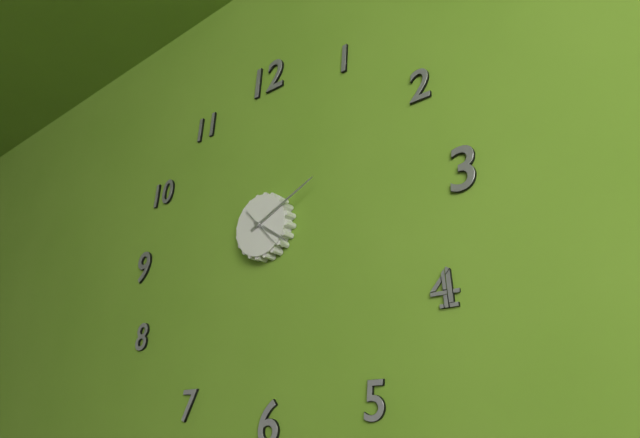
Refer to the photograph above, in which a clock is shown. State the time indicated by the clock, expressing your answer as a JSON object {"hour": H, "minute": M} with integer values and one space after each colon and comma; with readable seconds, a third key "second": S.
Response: {"hour": 4, "minute": 11}
